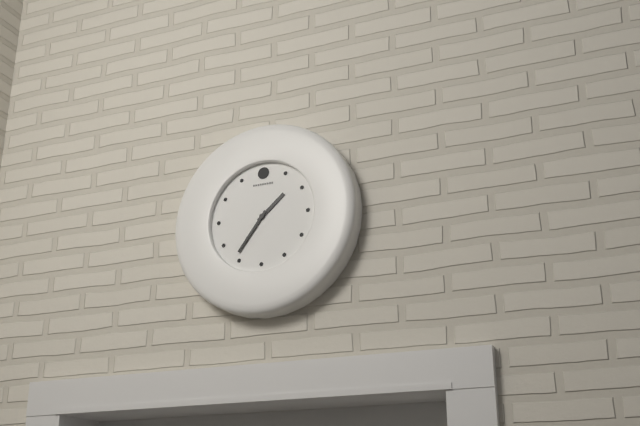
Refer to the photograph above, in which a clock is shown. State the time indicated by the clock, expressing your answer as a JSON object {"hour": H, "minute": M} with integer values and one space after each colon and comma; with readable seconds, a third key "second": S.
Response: {"hour": 1, "minute": 36}
